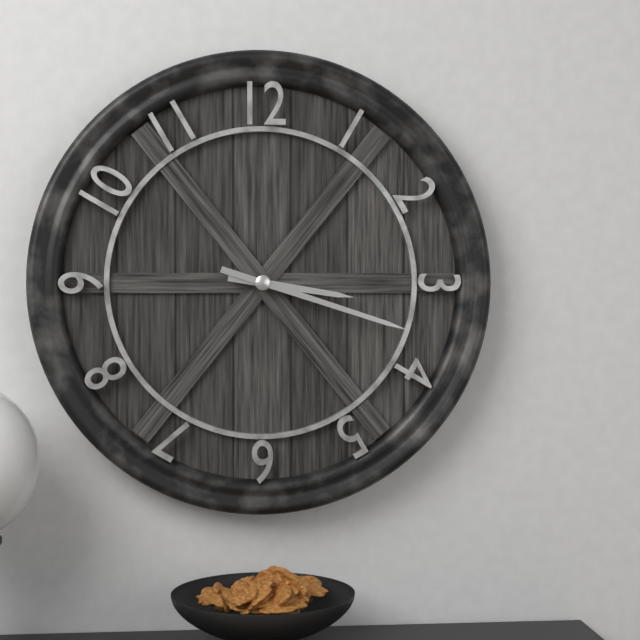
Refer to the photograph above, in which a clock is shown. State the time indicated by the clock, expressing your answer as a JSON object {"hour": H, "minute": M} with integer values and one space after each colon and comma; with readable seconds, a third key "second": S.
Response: {"hour": 3, "minute": 18}
